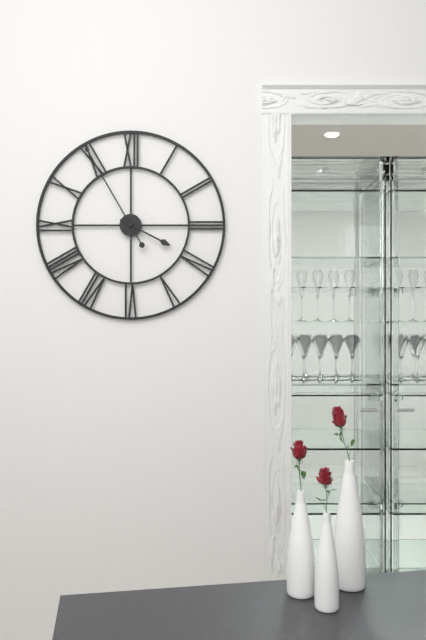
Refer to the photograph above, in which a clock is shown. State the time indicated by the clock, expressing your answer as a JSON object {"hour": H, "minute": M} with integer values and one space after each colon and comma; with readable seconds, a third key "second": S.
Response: {"hour": 3, "minute": 55}
